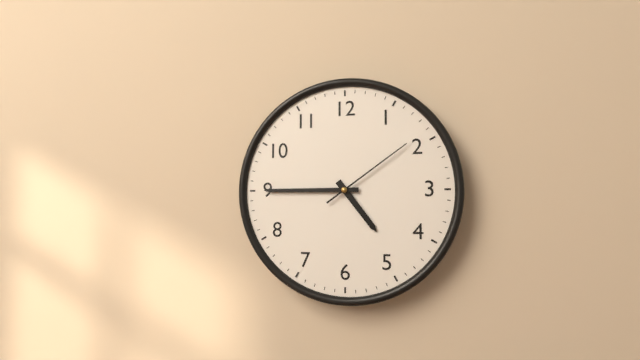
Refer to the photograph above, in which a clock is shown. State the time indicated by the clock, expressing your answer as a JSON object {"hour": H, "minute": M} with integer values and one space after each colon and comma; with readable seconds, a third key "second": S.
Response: {"hour": 4, "minute": 45, "second": 9}
